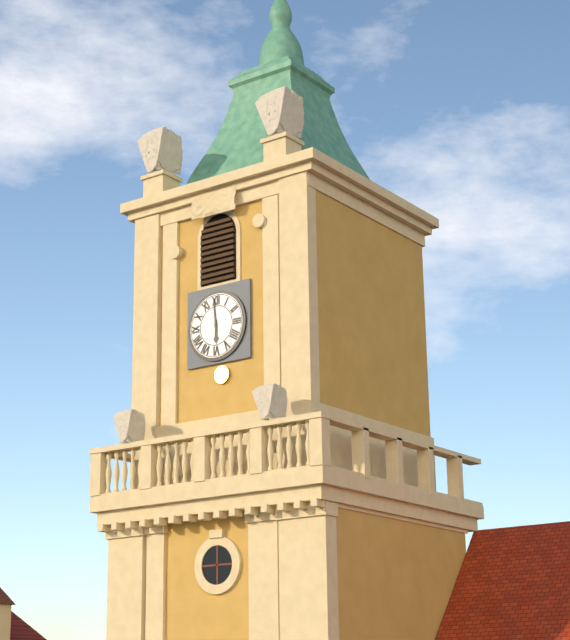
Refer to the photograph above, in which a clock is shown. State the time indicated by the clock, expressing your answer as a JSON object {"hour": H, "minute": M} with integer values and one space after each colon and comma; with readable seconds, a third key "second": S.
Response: {"hour": 5, "minute": 59}
